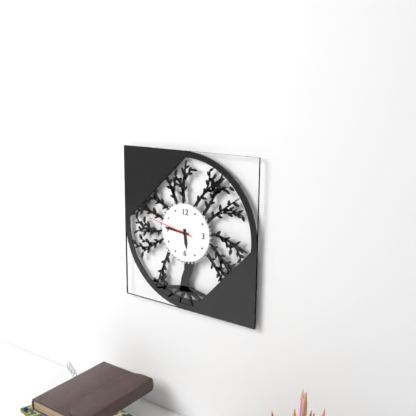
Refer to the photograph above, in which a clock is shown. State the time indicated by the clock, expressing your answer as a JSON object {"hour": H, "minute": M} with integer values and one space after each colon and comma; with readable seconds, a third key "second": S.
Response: {"hour": 5, "minute": 46}
